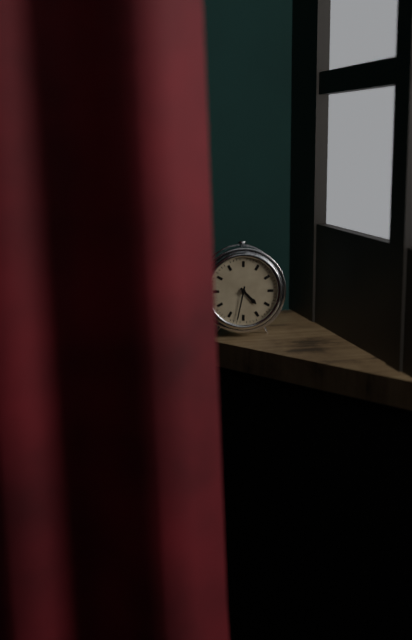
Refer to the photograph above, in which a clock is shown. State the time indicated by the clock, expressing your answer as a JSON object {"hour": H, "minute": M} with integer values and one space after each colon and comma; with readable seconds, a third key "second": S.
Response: {"hour": 4, "minute": 32}
